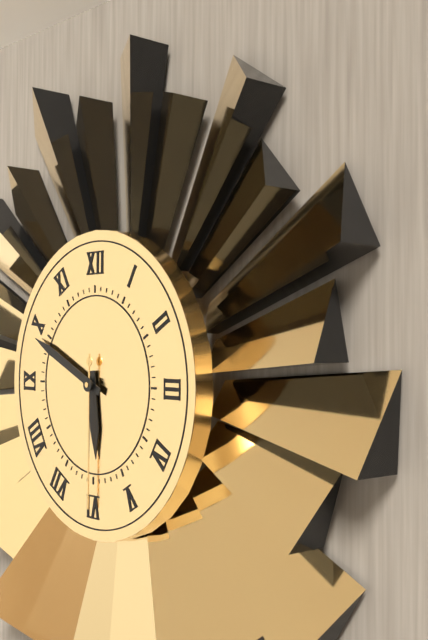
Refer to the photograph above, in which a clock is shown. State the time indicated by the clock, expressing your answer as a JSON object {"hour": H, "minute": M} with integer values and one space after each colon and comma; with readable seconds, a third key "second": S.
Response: {"hour": 5, "minute": 49, "second": 30}
